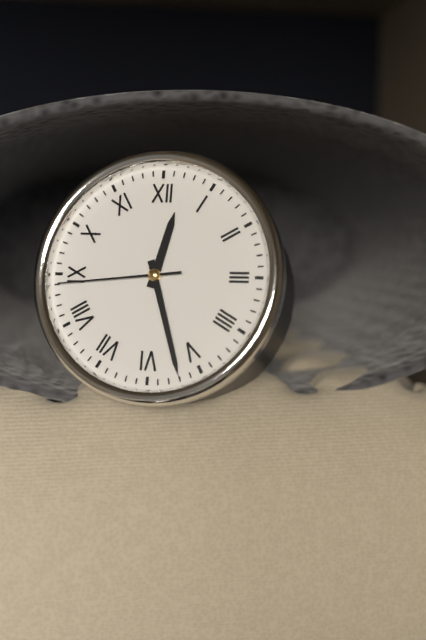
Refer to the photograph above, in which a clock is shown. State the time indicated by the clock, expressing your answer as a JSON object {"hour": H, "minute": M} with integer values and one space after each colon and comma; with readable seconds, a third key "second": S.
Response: {"hour": 12, "minute": 27, "second": 44}
